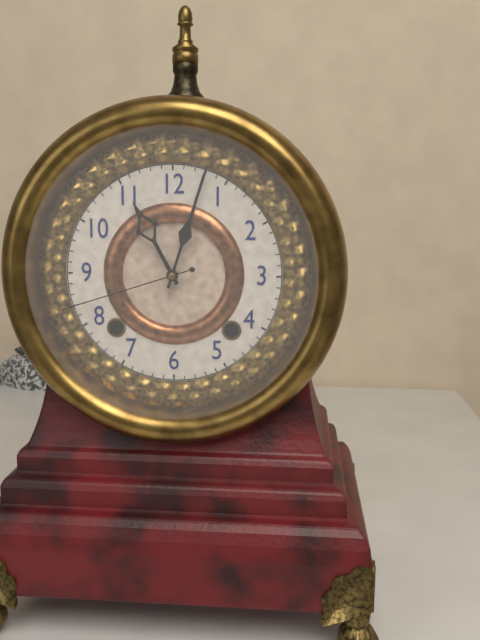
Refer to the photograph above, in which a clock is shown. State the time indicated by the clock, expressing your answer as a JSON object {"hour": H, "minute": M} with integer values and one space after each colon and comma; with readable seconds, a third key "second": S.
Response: {"hour": 11, "minute": 3, "second": 42}
